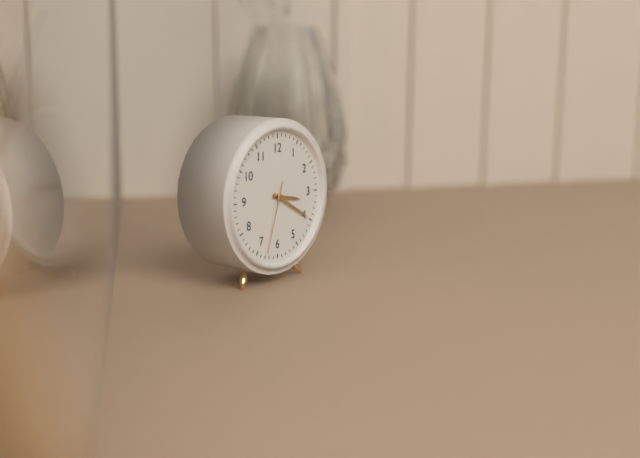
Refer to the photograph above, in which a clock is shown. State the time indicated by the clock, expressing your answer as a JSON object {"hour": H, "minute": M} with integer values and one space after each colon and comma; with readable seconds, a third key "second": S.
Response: {"hour": 3, "minute": 20, "second": 33}
